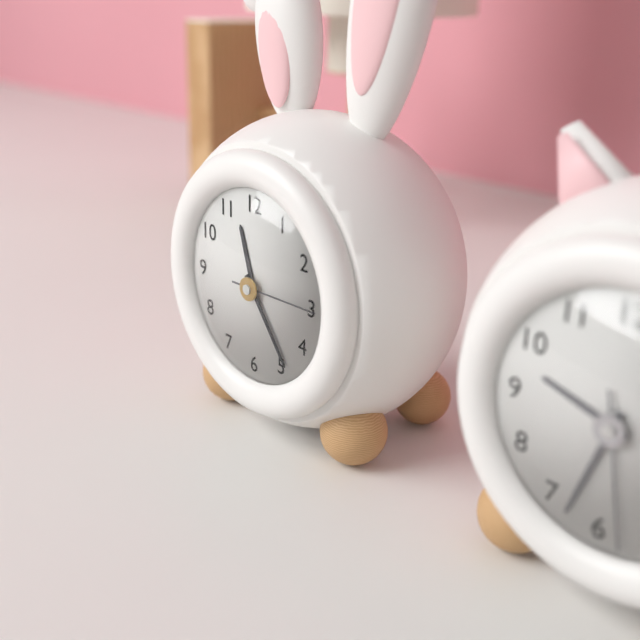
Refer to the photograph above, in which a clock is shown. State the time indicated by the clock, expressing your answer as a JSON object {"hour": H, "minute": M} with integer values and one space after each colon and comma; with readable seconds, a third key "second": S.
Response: {"hour": 11, "minute": 24, "second": 15}
